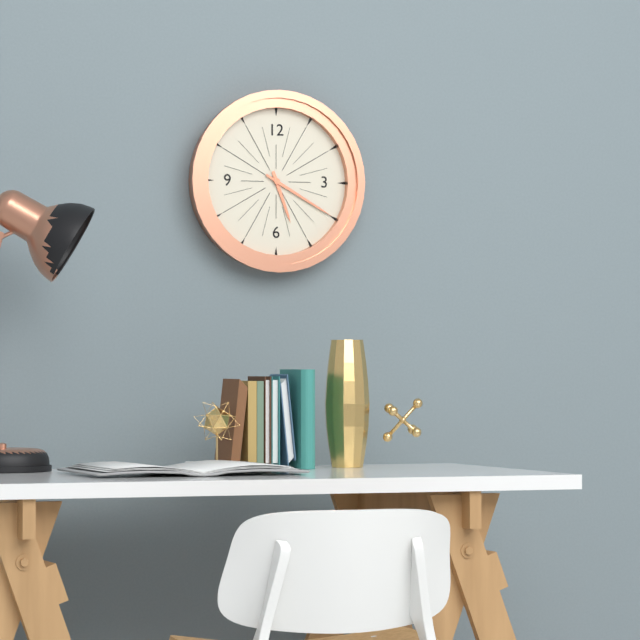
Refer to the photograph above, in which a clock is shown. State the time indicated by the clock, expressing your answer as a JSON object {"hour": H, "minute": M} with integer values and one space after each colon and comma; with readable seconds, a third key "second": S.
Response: {"hour": 5, "minute": 20}
